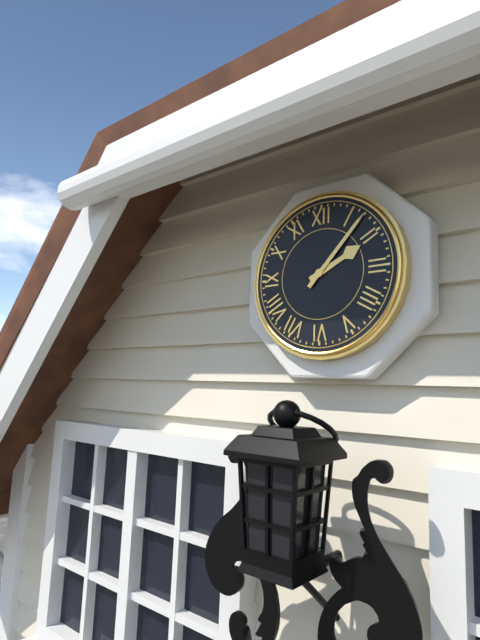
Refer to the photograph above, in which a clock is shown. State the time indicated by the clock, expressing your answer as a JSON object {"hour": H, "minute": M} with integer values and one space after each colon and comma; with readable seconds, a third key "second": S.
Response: {"hour": 2, "minute": 7}
